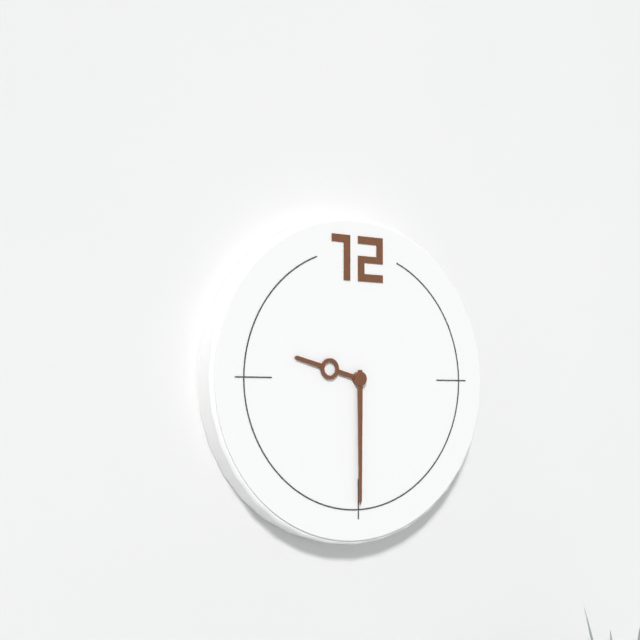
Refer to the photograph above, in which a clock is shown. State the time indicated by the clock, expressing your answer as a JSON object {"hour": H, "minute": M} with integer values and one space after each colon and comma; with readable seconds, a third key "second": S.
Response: {"hour": 9, "minute": 30}
